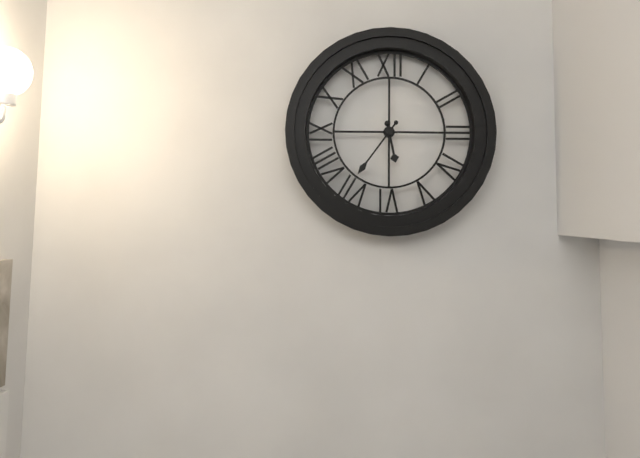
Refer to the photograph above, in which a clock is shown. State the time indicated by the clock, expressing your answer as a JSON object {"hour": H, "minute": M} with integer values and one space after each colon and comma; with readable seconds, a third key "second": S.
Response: {"hour": 5, "minute": 36}
